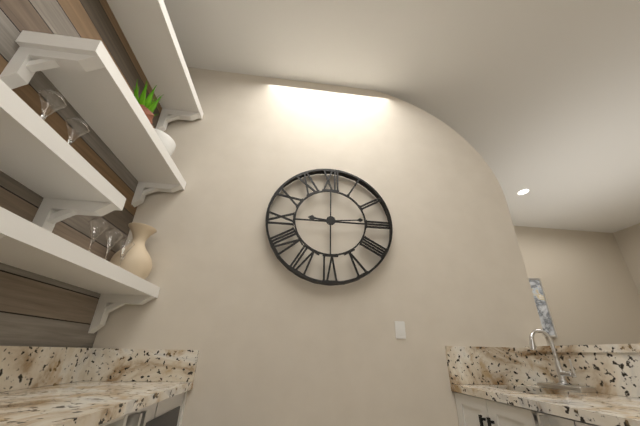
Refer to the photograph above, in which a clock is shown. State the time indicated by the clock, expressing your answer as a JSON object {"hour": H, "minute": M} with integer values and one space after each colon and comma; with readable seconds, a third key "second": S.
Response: {"hour": 9, "minute": 14}
